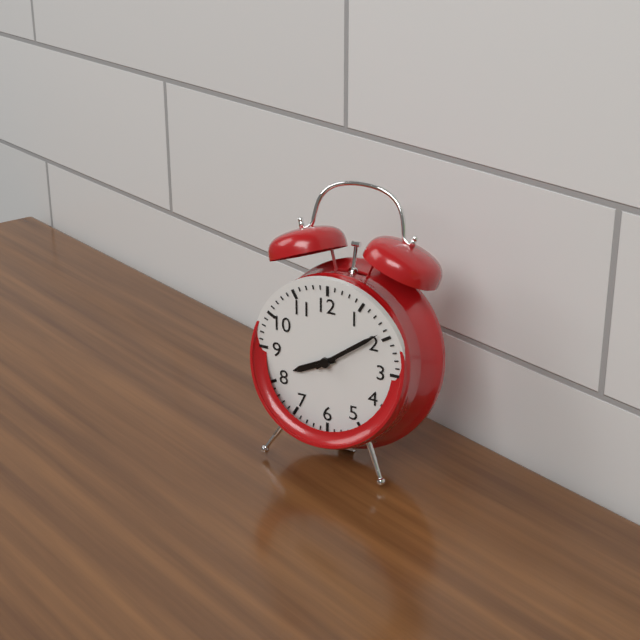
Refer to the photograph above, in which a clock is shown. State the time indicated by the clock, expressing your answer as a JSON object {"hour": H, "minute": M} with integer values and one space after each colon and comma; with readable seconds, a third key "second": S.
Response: {"hour": 8, "minute": 9}
